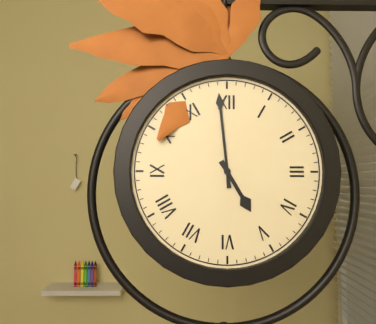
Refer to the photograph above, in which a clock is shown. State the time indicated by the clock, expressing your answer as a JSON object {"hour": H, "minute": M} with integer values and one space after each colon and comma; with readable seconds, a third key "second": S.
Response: {"hour": 4, "minute": 59}
